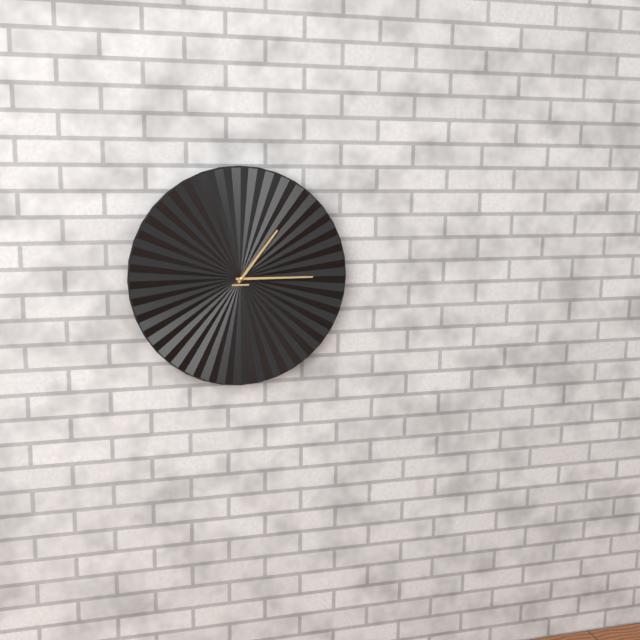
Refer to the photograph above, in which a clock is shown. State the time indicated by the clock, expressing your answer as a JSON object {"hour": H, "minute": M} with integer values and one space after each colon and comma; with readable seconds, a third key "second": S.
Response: {"hour": 1, "minute": 15}
